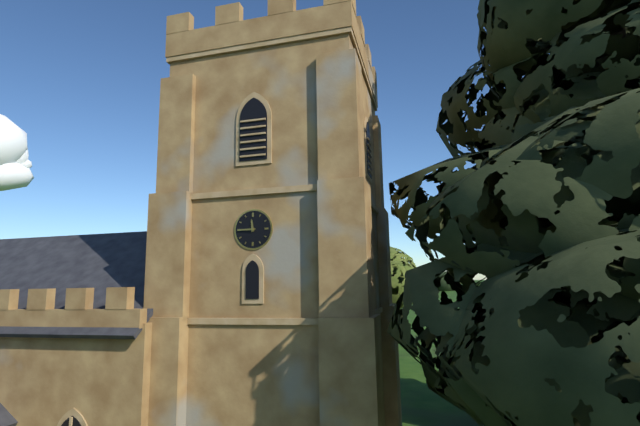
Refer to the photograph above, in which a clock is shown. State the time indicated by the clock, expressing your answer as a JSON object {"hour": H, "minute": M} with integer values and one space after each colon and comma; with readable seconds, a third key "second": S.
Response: {"hour": 11, "minute": 45}
